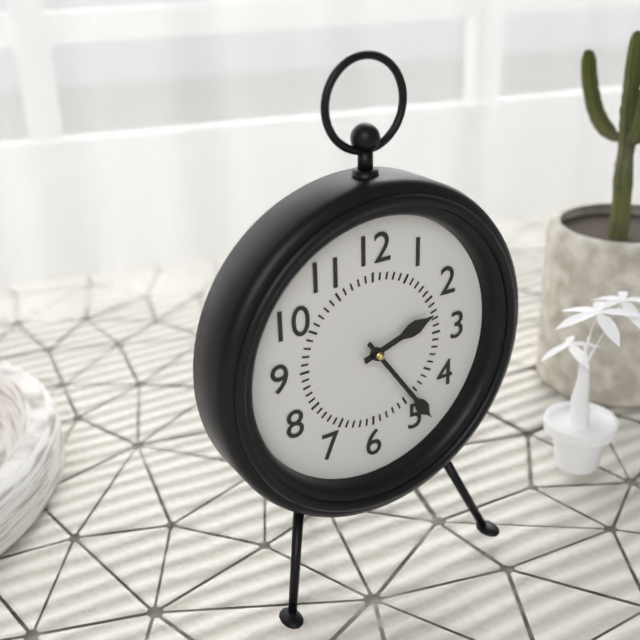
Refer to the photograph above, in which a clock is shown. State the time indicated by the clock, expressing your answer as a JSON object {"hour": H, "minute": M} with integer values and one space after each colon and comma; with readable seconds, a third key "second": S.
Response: {"hour": 2, "minute": 24}
